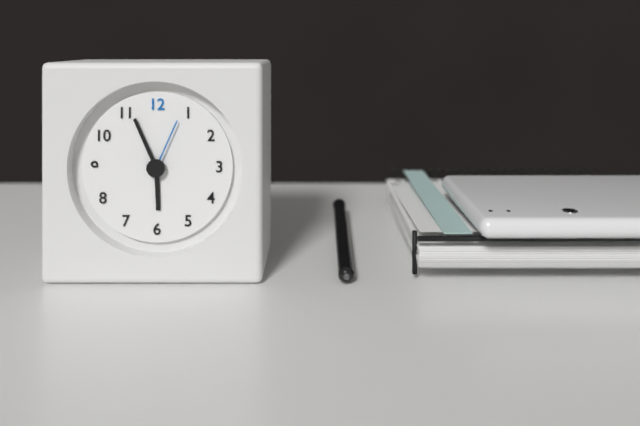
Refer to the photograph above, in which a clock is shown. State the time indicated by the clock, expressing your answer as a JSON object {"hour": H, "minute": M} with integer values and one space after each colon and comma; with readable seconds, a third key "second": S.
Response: {"hour": 5, "minute": 56, "second": 4}
